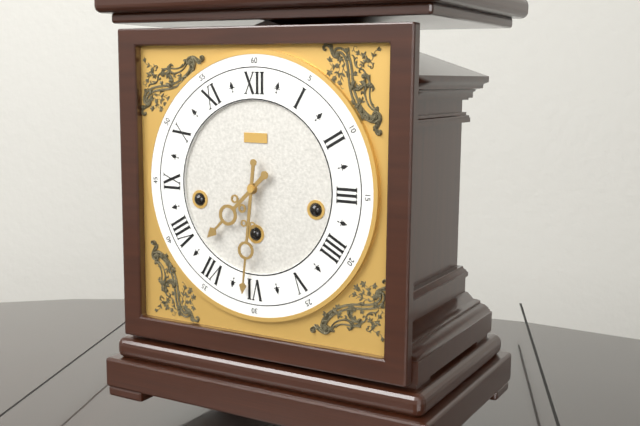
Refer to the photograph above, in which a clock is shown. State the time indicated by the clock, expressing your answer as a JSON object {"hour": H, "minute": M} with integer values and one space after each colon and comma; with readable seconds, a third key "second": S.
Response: {"hour": 7, "minute": 31}
